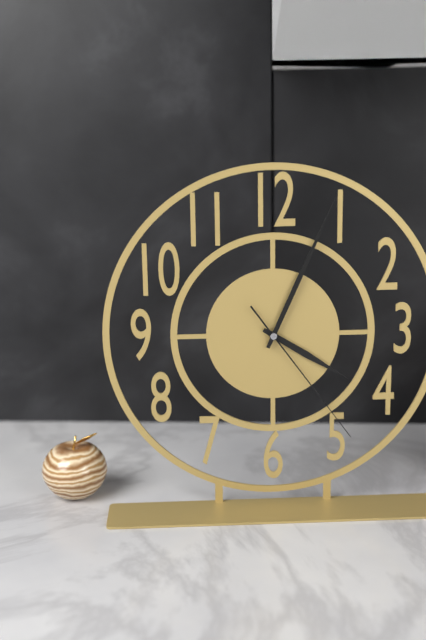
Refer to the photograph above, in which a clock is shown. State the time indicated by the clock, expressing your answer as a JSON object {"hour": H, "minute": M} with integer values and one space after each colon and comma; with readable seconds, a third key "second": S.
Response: {"hour": 4, "minute": 4, "second": 24}
